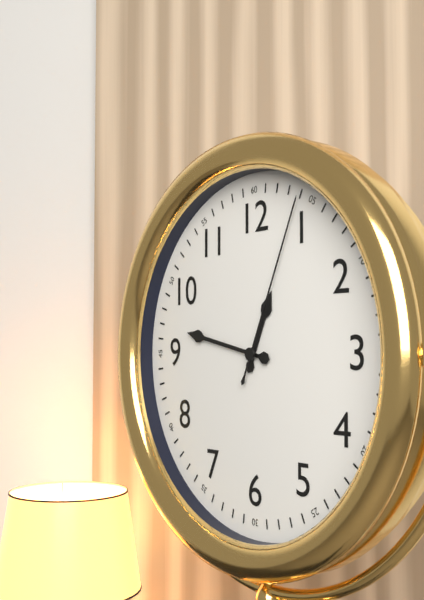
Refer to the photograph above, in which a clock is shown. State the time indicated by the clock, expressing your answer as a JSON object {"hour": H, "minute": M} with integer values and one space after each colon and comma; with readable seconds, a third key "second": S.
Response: {"hour": 12, "minute": 47, "second": 4}
